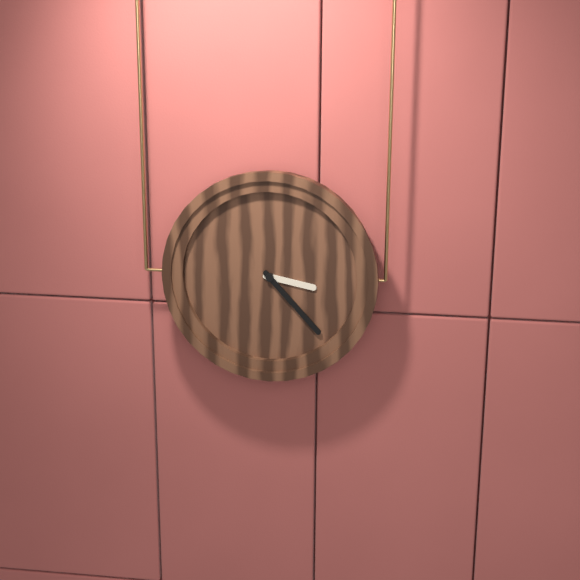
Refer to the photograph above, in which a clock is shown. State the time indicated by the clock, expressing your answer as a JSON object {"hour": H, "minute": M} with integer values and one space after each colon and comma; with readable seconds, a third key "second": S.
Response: {"hour": 3, "minute": 23}
